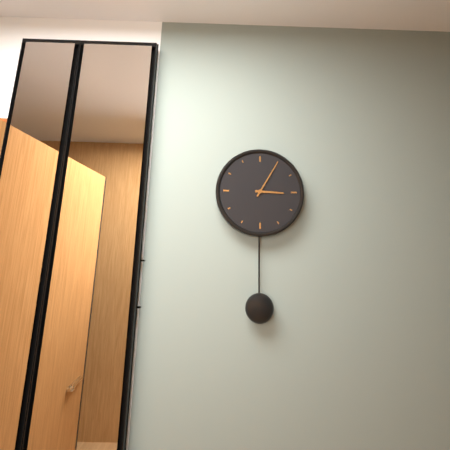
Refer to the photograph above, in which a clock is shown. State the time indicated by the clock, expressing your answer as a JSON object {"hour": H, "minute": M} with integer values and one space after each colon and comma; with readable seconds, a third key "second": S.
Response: {"hour": 3, "minute": 5}
